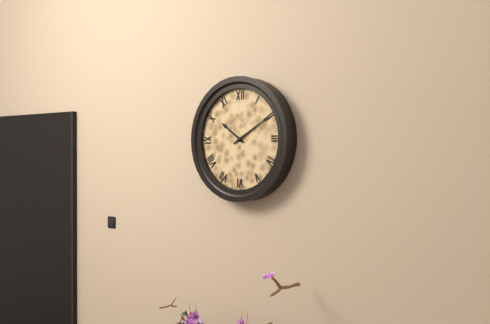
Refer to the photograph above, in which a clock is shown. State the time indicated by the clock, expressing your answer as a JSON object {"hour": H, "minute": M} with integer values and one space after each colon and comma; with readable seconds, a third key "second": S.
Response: {"hour": 10, "minute": 10}
